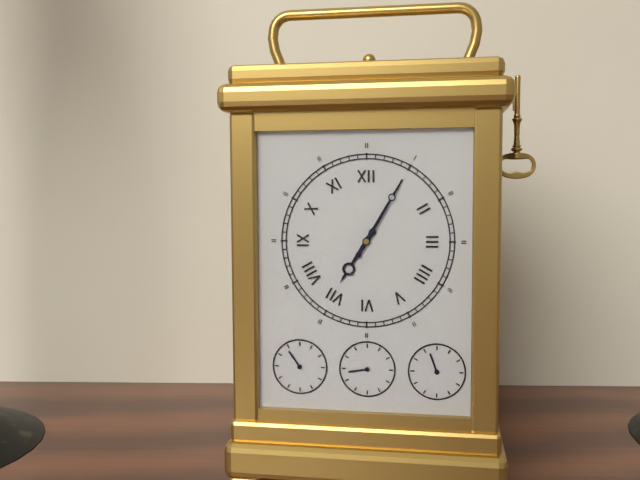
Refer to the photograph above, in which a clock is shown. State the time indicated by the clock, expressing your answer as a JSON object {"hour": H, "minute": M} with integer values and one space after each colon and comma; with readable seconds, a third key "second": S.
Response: {"hour": 7, "minute": 5}
